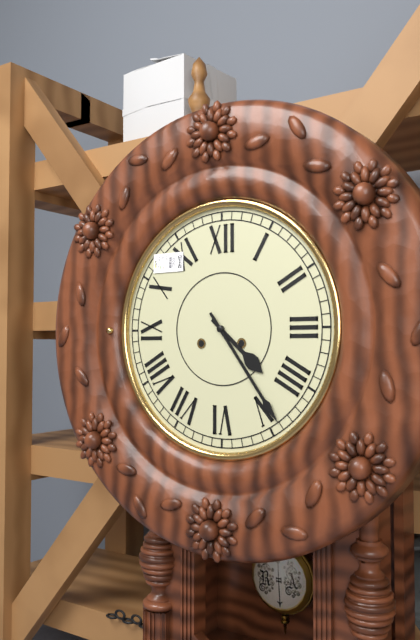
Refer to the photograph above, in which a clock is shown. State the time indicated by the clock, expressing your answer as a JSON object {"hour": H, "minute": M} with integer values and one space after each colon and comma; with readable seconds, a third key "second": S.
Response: {"hour": 4, "minute": 24}
